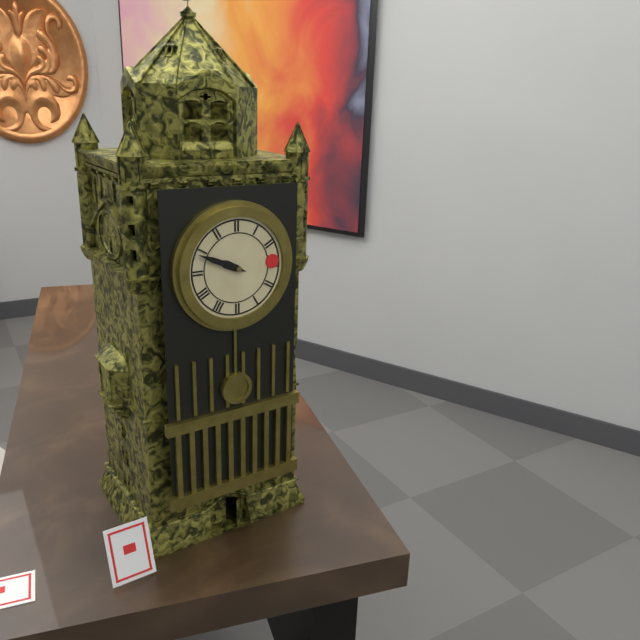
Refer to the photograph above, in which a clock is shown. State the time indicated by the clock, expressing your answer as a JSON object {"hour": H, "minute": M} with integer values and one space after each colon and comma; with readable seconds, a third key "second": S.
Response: {"hour": 9, "minute": 49}
